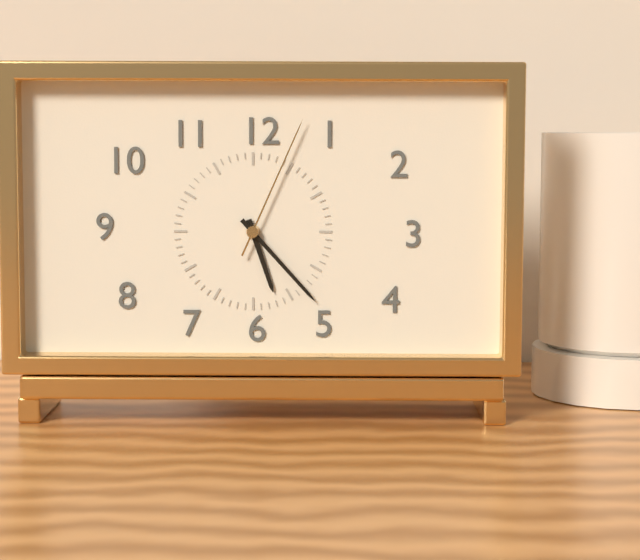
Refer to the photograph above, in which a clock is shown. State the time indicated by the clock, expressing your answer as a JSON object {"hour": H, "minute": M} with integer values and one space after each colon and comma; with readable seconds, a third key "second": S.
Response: {"hour": 5, "minute": 23, "second": 4}
